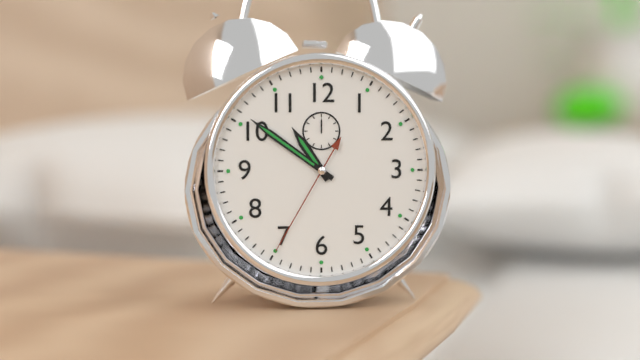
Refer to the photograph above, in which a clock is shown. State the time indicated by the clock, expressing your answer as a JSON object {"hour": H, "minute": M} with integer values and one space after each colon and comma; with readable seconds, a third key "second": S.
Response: {"hour": 10, "minute": 51, "second": 35}
